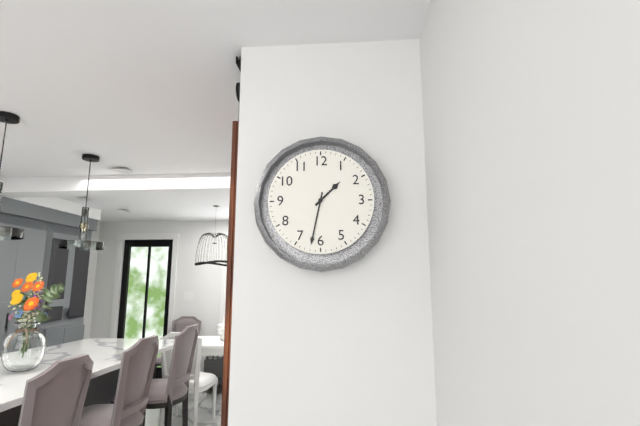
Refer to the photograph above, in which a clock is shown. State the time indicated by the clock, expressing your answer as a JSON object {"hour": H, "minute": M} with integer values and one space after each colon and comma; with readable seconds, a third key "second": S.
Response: {"hour": 1, "minute": 32}
